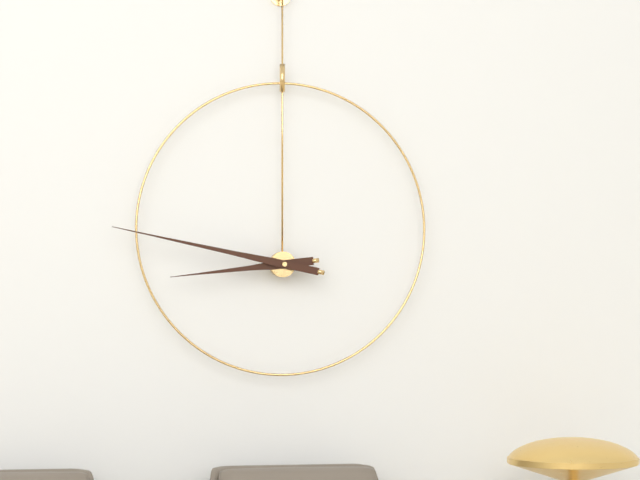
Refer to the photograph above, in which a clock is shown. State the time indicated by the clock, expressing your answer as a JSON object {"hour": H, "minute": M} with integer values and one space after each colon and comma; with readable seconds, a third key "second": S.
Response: {"hour": 8, "minute": 47}
